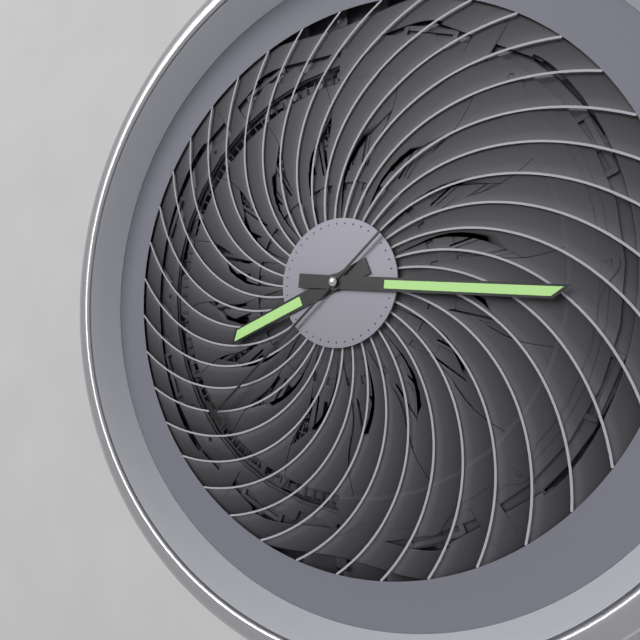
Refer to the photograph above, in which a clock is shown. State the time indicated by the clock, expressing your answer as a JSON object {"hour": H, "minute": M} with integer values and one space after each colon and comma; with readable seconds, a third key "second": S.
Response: {"hour": 8, "minute": 16, "second": 38}
